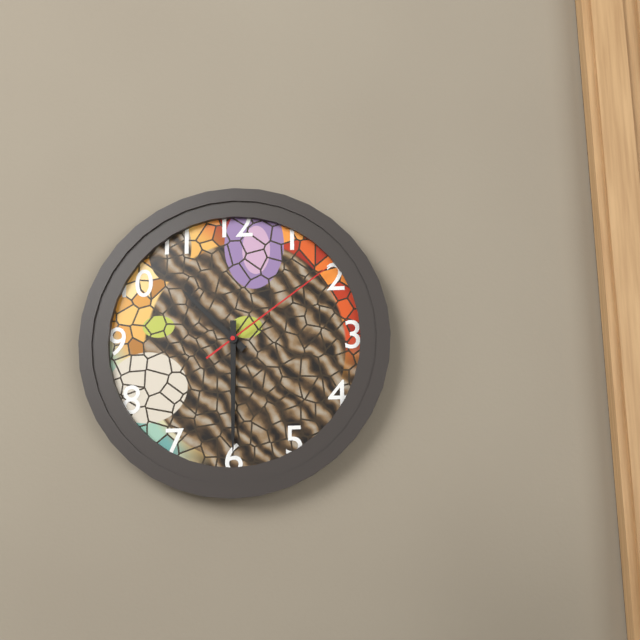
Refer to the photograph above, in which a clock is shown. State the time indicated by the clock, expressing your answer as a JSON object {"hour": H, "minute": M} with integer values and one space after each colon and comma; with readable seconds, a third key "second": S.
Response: {"hour": 10, "minute": 30, "second": 9}
